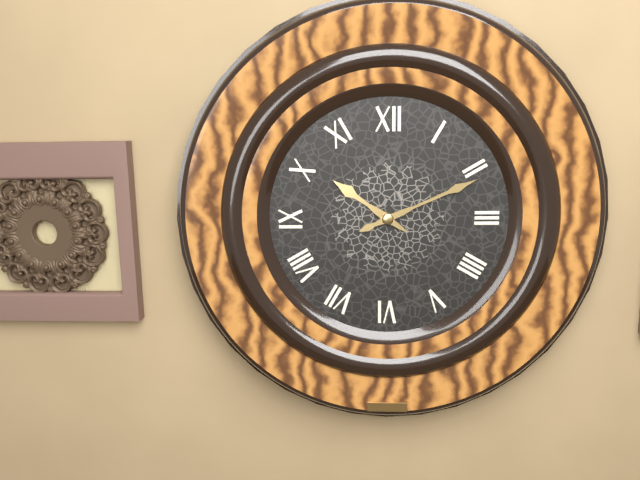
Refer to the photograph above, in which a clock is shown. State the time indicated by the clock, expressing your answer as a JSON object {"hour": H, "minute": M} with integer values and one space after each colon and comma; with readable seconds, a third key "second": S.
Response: {"hour": 10, "minute": 11}
